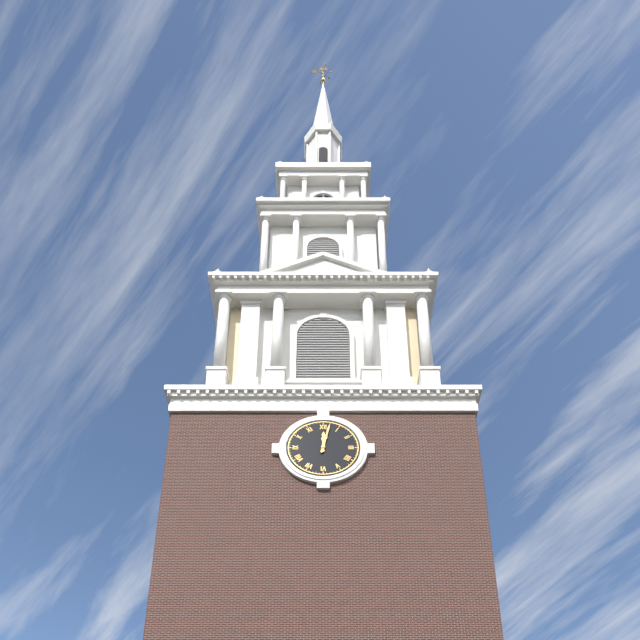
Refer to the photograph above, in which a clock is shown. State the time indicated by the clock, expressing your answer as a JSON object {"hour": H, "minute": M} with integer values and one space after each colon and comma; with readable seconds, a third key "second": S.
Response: {"hour": 12, "minute": 2}
